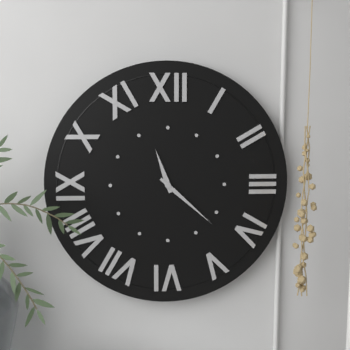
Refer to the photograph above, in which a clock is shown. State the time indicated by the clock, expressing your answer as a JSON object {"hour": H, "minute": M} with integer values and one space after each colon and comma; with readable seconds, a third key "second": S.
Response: {"hour": 11, "minute": 22}
